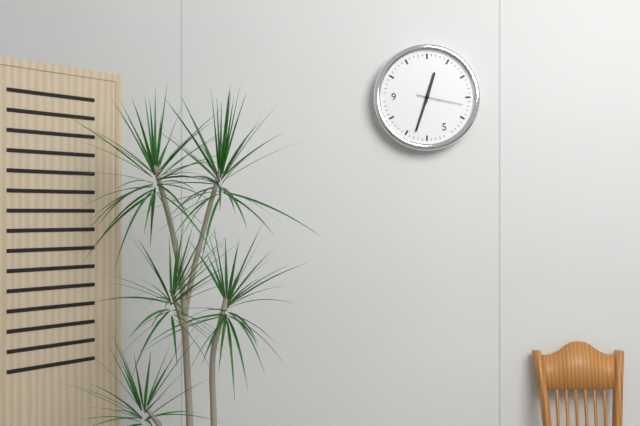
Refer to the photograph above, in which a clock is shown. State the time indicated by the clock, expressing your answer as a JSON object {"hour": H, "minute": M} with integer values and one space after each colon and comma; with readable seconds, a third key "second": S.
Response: {"hour": 12, "minute": 33}
